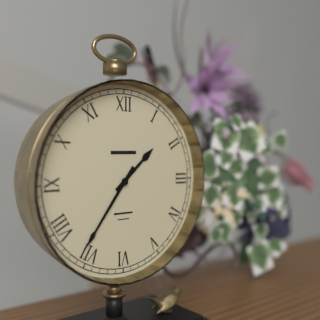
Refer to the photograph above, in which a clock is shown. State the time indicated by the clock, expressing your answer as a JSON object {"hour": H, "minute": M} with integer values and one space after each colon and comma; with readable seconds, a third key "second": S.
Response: {"hour": 1, "minute": 36}
